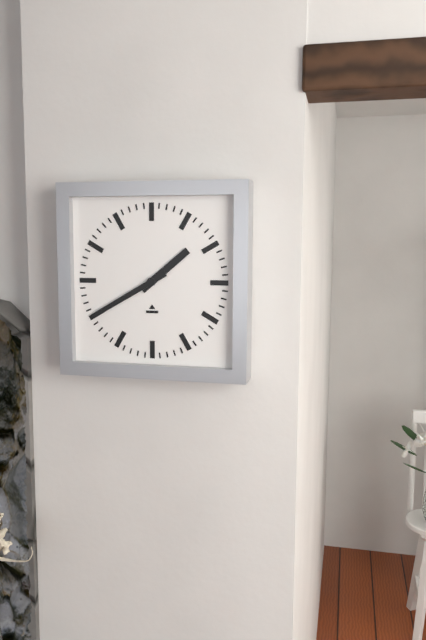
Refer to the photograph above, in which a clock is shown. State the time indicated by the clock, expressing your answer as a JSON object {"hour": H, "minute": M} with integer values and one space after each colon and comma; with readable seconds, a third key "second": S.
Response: {"hour": 1, "minute": 40}
